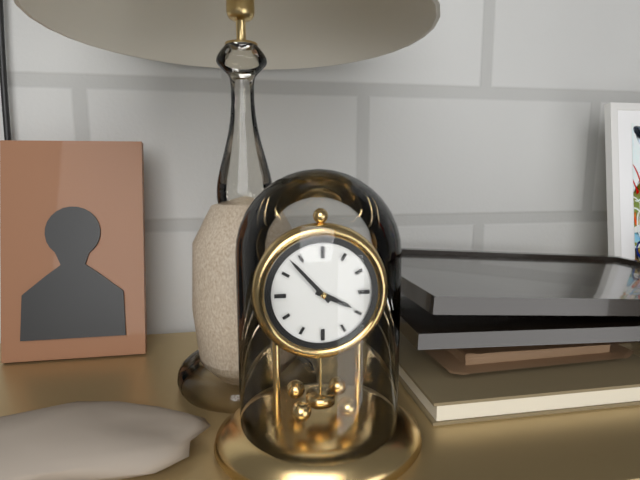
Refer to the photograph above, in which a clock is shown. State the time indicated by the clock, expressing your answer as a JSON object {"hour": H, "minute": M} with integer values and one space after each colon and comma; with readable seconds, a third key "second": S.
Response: {"hour": 3, "minute": 53}
